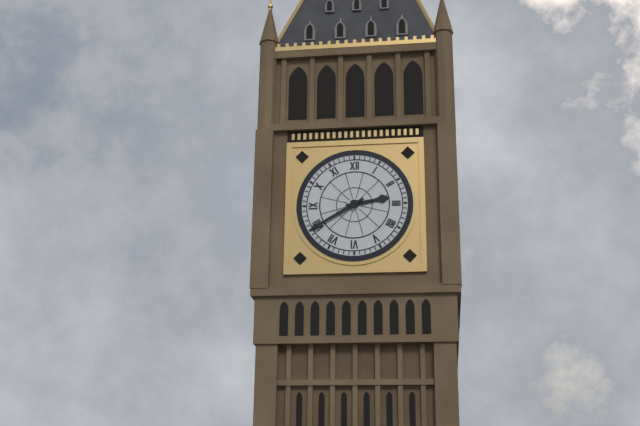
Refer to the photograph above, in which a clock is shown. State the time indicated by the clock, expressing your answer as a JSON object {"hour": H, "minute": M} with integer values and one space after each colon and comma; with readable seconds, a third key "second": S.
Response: {"hour": 2, "minute": 40}
